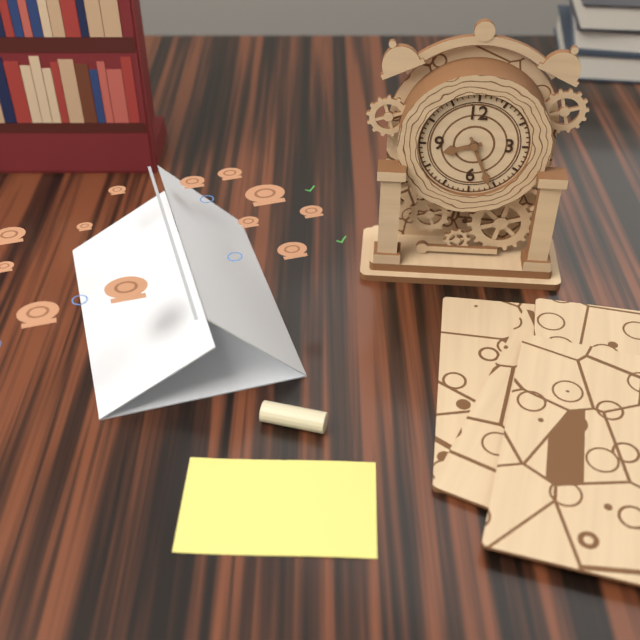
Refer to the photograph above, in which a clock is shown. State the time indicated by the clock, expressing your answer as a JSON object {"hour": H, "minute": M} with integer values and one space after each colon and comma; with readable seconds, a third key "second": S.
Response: {"hour": 8, "minute": 26}
